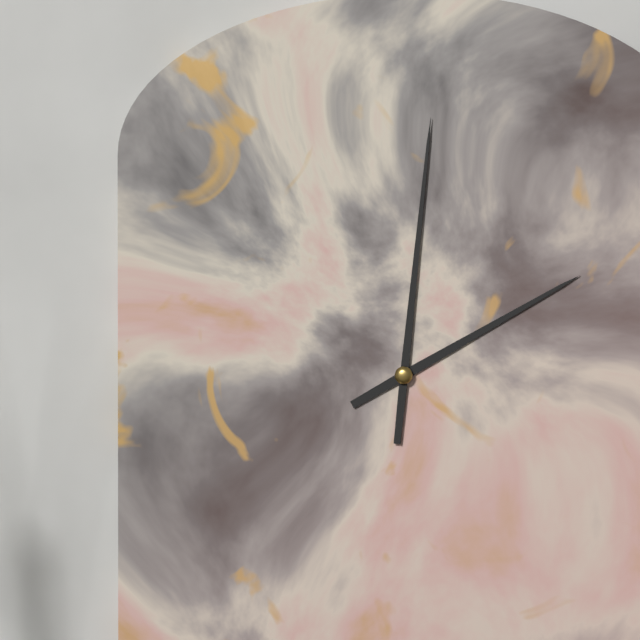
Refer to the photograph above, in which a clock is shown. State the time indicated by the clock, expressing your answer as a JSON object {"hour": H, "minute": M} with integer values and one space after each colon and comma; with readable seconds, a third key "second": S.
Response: {"hour": 2, "minute": 1}
